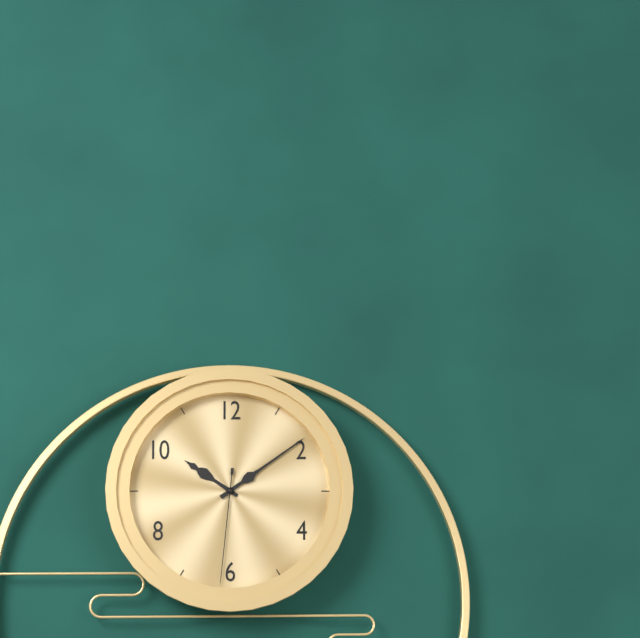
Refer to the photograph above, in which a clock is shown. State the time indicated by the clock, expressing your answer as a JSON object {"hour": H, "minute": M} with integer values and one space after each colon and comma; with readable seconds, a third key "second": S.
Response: {"hour": 10, "minute": 9, "second": 31}
